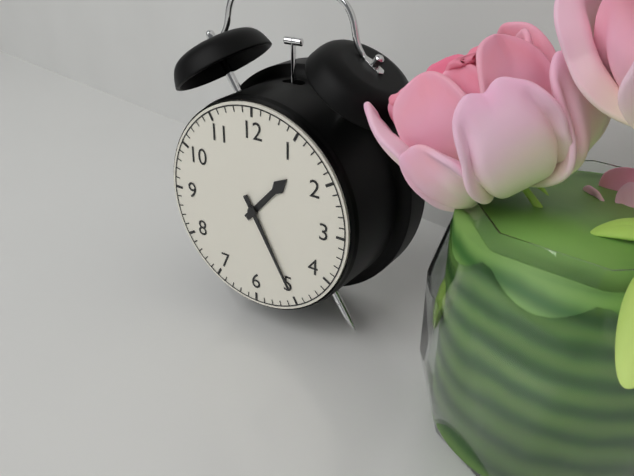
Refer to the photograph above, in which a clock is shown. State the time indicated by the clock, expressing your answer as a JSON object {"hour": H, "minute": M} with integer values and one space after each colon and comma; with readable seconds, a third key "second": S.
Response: {"hour": 1, "minute": 25}
